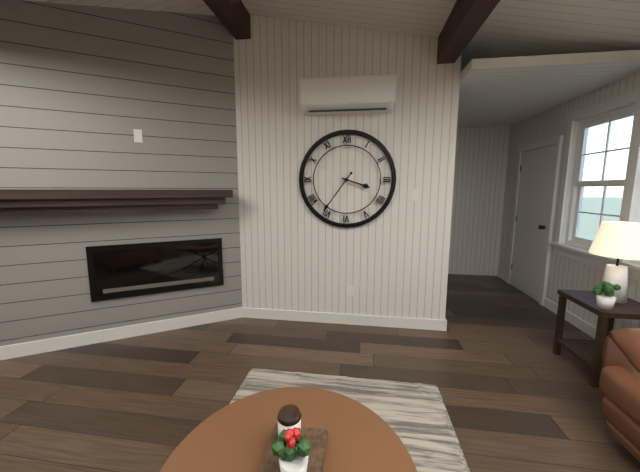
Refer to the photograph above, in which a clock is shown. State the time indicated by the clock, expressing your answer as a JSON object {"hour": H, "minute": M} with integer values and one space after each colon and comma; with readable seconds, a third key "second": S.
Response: {"hour": 3, "minute": 36}
